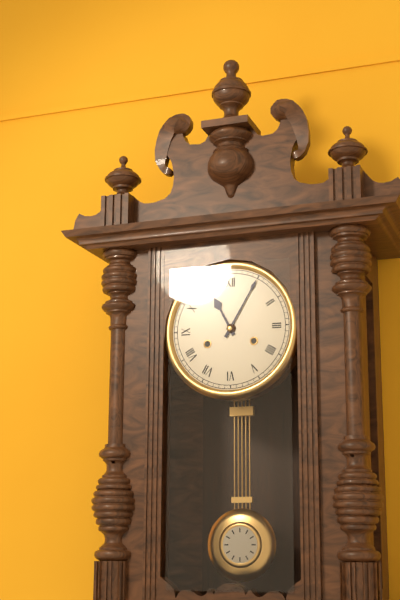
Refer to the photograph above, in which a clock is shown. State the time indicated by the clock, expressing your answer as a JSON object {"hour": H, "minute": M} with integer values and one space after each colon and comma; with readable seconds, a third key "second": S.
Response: {"hour": 11, "minute": 5}
